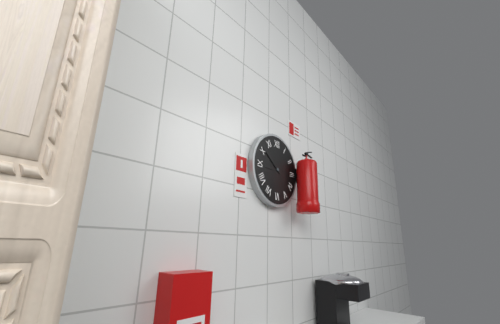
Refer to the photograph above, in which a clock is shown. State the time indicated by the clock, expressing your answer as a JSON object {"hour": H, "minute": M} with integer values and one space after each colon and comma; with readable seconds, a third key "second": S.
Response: {"hour": 8, "minute": 51}
